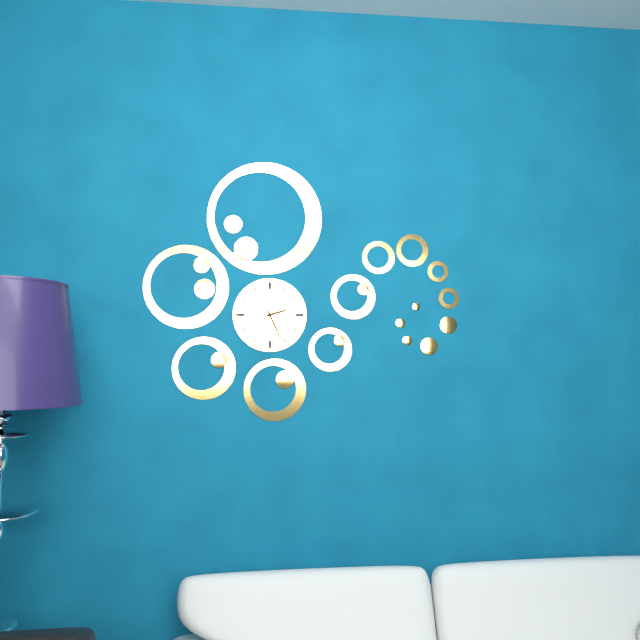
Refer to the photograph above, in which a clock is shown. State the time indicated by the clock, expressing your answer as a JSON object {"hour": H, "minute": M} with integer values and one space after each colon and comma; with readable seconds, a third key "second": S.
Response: {"hour": 2, "minute": 26}
